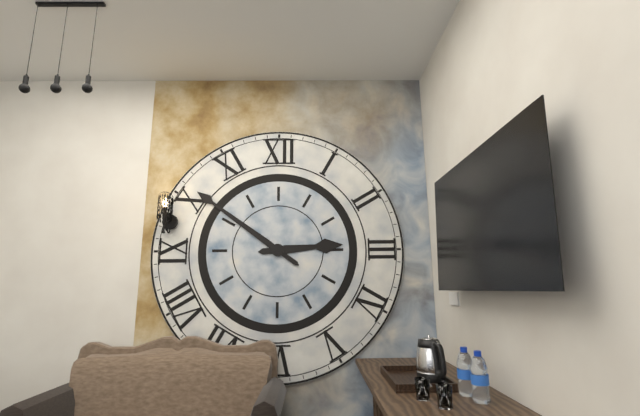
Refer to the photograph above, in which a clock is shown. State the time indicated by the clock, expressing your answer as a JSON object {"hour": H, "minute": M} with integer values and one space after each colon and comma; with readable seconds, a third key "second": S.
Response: {"hour": 2, "minute": 51}
